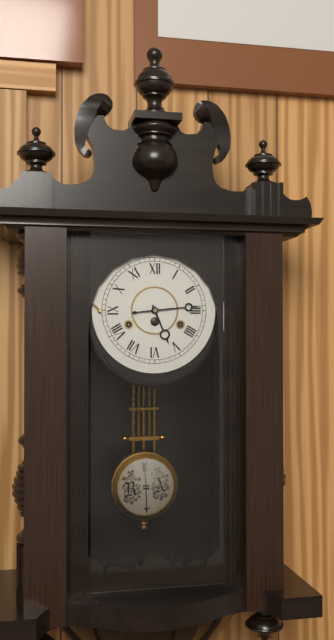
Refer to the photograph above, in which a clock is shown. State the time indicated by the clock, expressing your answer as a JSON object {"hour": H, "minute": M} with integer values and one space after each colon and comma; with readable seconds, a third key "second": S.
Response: {"hour": 5, "minute": 14}
